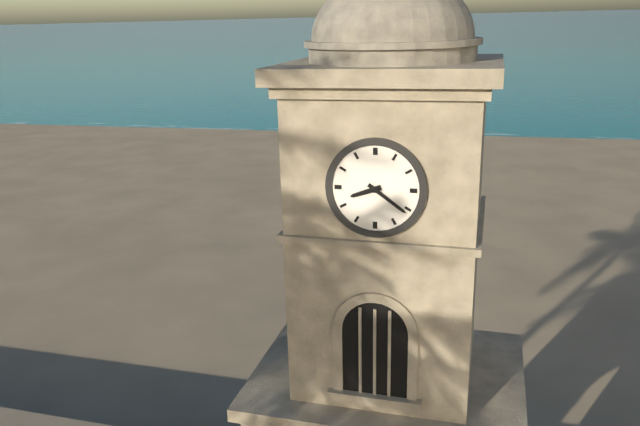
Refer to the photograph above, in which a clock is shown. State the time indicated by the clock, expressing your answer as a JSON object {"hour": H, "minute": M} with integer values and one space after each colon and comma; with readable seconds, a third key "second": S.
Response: {"hour": 8, "minute": 21}
